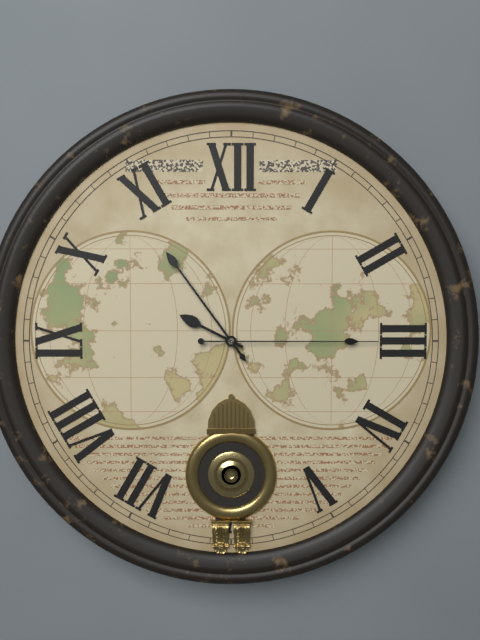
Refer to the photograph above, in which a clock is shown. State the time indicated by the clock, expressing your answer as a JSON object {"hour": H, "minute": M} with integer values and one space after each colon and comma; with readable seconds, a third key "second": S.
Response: {"hour": 9, "minute": 54, "second": 15}
